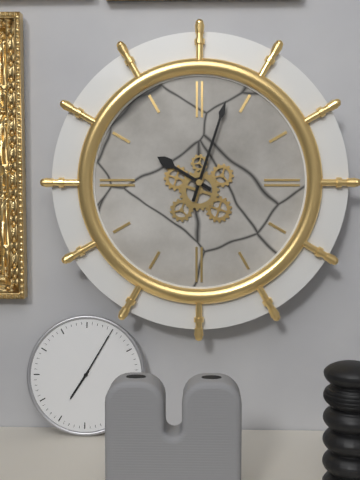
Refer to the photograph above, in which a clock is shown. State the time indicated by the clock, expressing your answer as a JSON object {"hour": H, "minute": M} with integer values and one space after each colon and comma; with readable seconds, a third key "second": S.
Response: {"hour": 10, "minute": 3}
